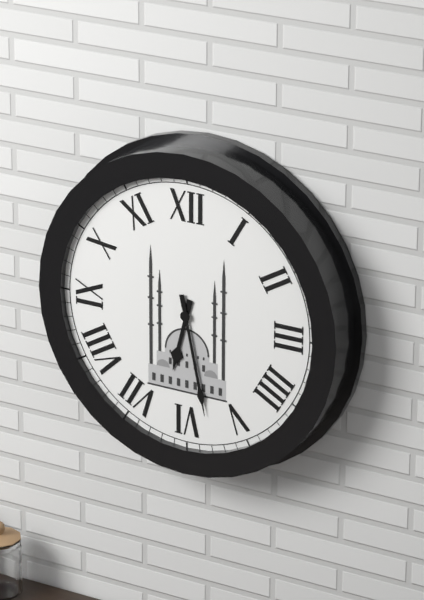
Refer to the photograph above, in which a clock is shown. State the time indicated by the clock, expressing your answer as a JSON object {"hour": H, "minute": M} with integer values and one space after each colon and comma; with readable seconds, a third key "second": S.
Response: {"hour": 6, "minute": 28}
